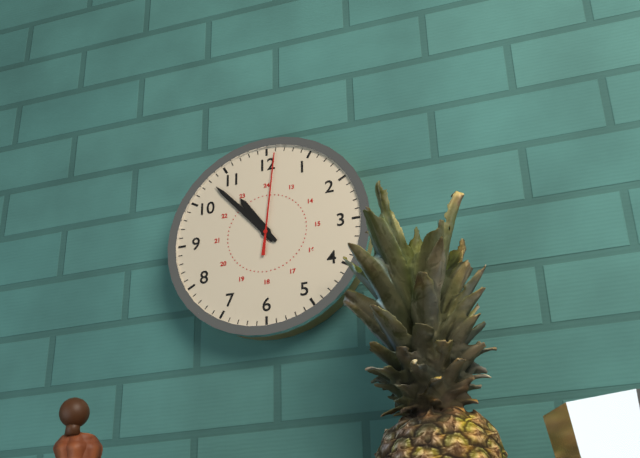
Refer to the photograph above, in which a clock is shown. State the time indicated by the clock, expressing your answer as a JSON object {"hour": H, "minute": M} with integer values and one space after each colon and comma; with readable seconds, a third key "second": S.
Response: {"hour": 10, "minute": 53, "second": 1}
